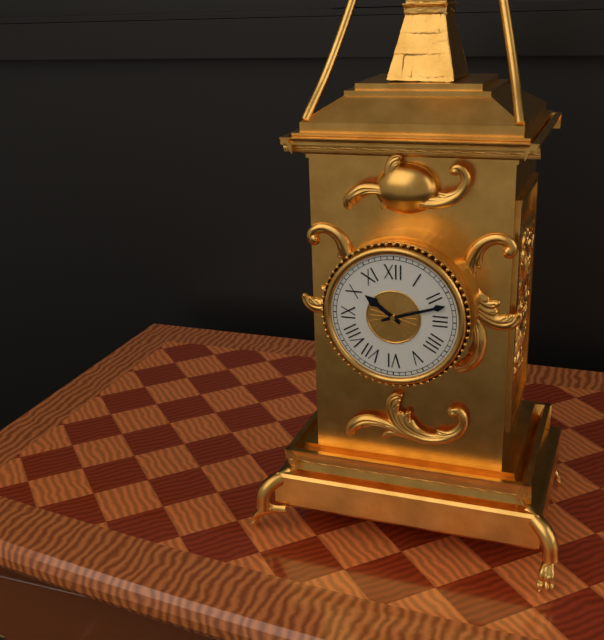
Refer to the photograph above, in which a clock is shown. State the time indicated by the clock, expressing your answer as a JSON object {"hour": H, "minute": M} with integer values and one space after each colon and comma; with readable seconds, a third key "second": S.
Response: {"hour": 10, "minute": 12}
